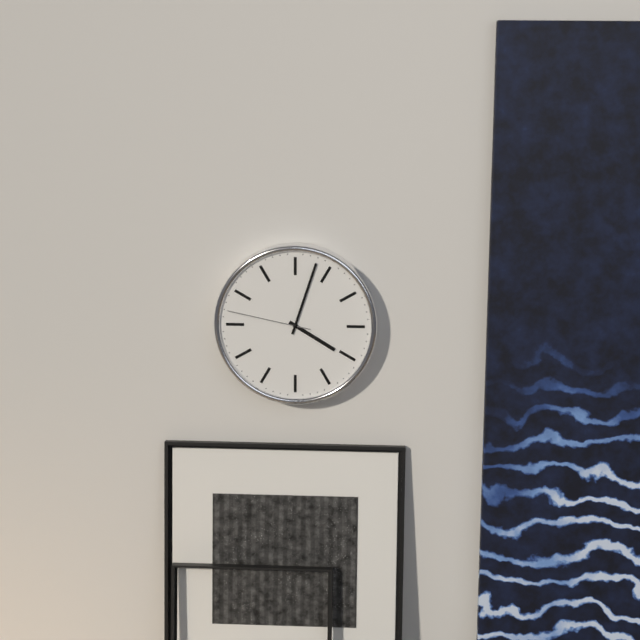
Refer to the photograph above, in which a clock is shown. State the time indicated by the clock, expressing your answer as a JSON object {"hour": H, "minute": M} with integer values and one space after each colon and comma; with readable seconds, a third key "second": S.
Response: {"hour": 4, "minute": 3, "second": 47}
